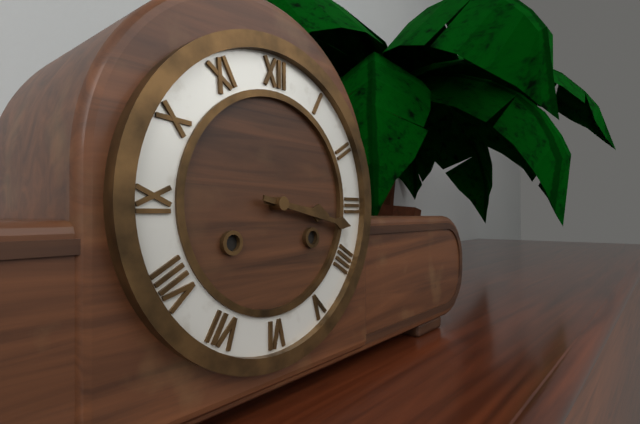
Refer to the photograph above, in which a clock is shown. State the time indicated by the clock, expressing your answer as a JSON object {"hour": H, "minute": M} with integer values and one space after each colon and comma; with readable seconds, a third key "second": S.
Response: {"hour": 3, "minute": 17}
